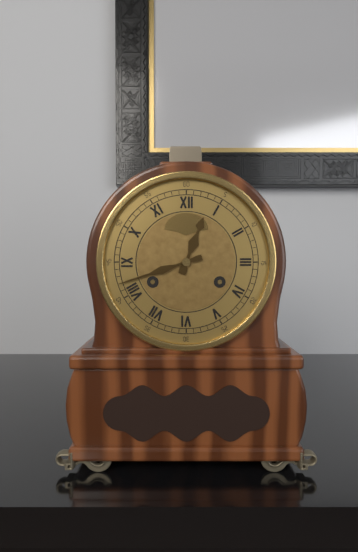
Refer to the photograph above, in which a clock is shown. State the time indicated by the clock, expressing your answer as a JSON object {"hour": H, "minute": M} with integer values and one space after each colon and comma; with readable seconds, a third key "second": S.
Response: {"hour": 12, "minute": 42}
